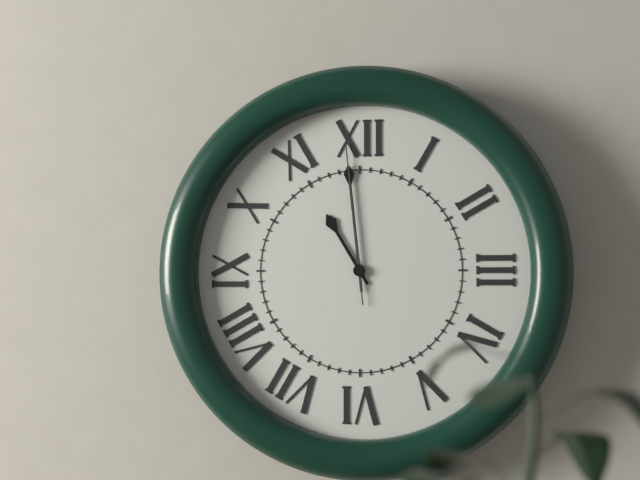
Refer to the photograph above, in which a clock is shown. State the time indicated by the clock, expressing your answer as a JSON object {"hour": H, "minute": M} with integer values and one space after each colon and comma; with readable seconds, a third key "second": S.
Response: {"hour": 10, "minute": 59, "second": 59}
